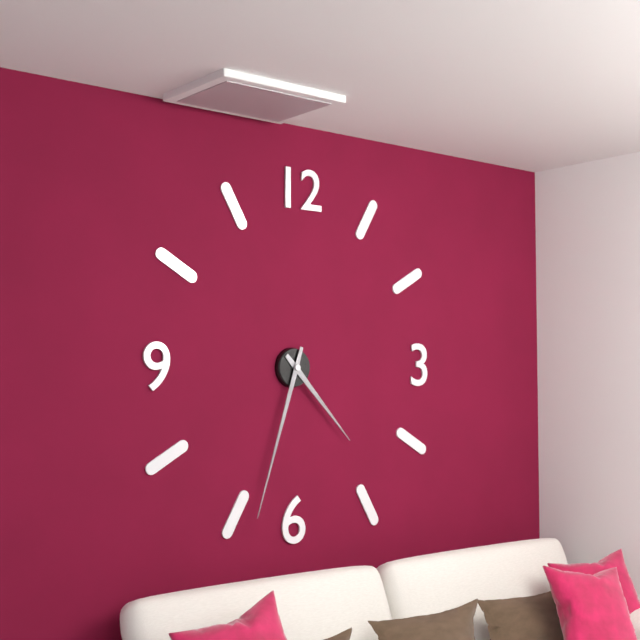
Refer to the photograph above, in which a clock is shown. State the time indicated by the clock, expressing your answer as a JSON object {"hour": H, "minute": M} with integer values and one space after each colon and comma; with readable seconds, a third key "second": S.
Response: {"hour": 4, "minute": 33}
